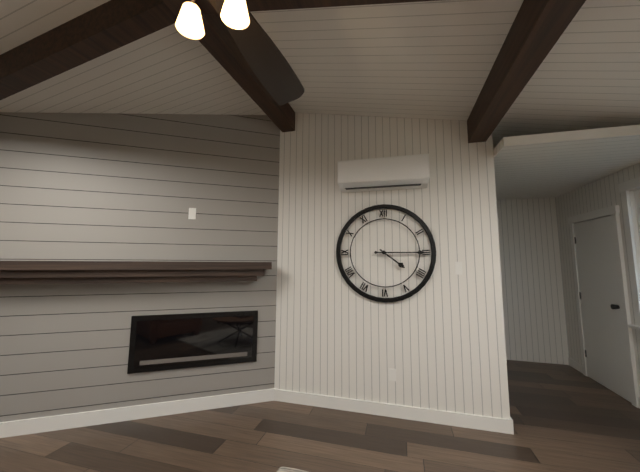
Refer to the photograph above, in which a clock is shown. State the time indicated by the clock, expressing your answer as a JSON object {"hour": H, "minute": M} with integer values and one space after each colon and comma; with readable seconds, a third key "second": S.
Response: {"hour": 4, "minute": 15}
